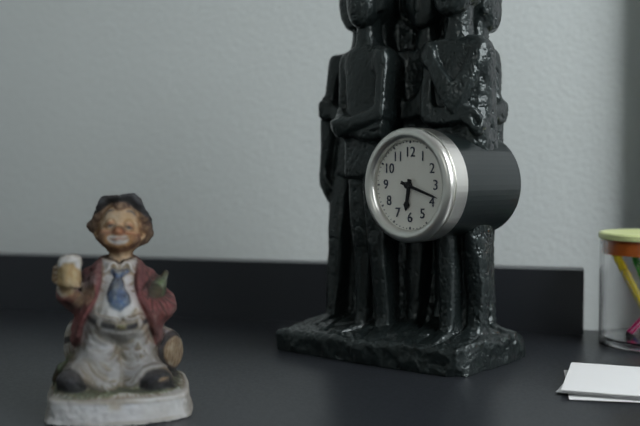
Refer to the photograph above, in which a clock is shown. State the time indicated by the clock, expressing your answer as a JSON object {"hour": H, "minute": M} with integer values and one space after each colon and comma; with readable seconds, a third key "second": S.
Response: {"hour": 6, "minute": 18}
